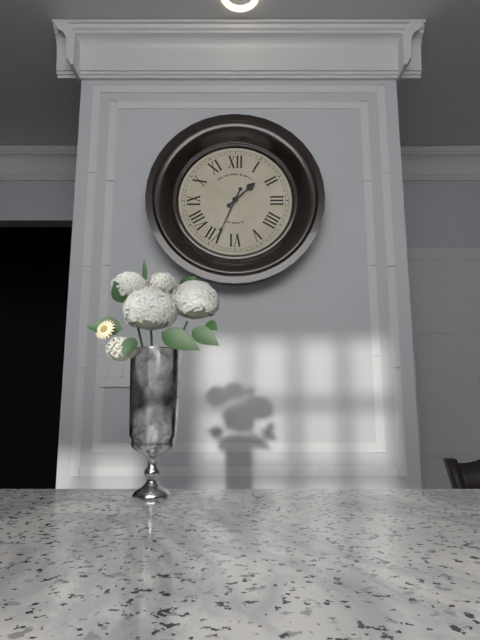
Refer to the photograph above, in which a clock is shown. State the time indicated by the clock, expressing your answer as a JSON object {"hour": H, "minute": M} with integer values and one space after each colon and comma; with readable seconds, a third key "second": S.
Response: {"hour": 1, "minute": 34}
